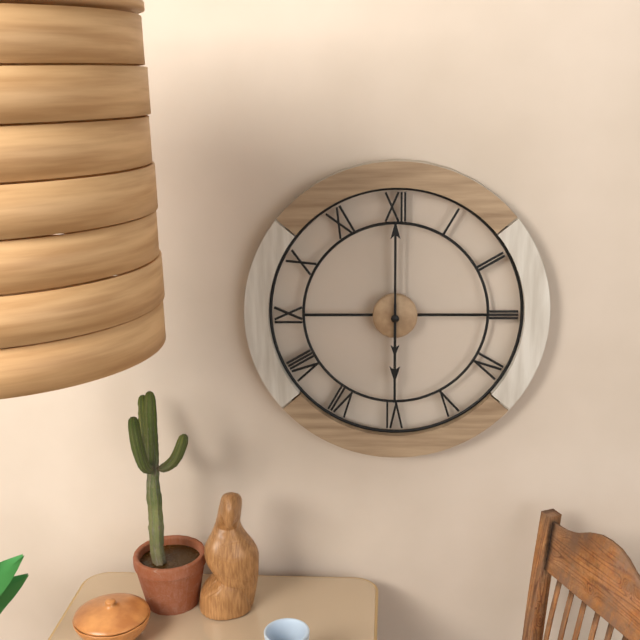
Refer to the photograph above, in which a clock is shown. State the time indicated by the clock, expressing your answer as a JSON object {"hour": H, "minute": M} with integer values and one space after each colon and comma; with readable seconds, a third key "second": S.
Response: {"hour": 6, "minute": 0}
